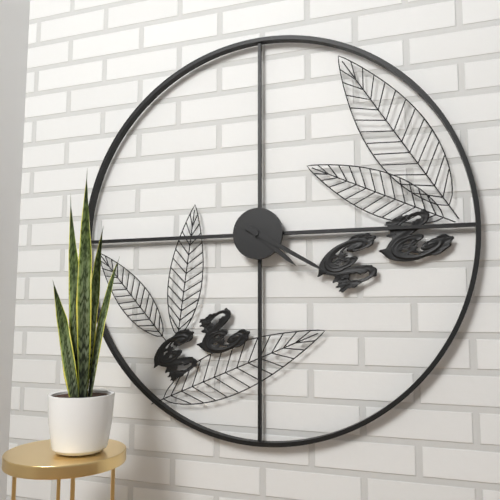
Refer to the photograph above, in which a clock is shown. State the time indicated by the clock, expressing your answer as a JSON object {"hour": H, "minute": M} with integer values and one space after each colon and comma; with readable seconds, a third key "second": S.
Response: {"hour": 4, "minute": 20}
